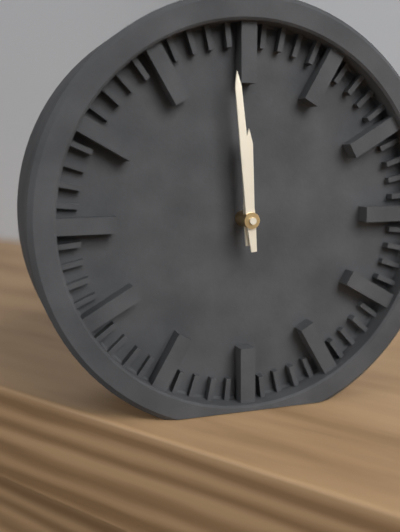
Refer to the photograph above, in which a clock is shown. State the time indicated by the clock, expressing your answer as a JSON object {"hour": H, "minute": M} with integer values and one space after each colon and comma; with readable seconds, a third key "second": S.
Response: {"hour": 11, "minute": 59}
